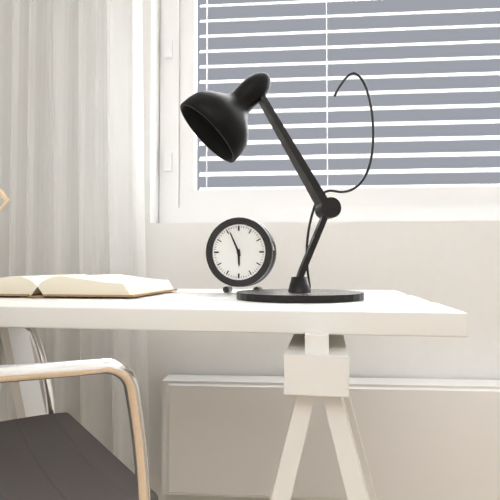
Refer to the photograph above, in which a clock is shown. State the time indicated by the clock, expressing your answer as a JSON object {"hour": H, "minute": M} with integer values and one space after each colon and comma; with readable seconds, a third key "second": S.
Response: {"hour": 5, "minute": 56}
